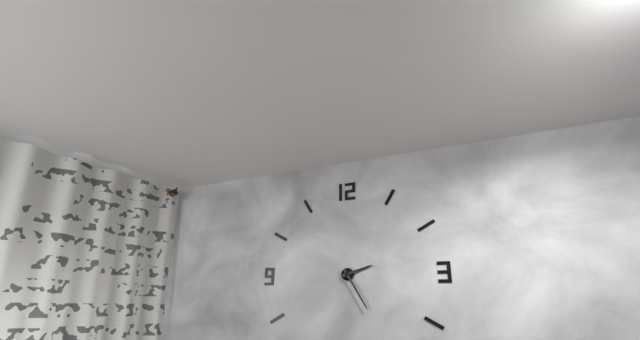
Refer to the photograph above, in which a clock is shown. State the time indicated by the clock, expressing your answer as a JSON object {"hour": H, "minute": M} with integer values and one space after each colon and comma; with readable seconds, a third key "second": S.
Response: {"hour": 2, "minute": 25}
